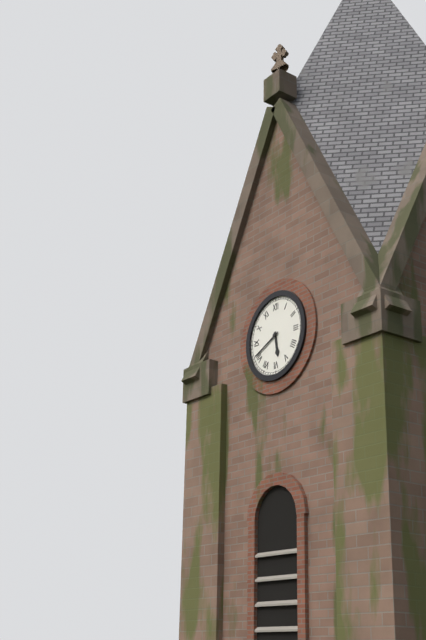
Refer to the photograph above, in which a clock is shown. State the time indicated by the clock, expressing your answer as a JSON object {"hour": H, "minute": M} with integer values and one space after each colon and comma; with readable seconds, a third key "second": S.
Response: {"hour": 5, "minute": 41}
